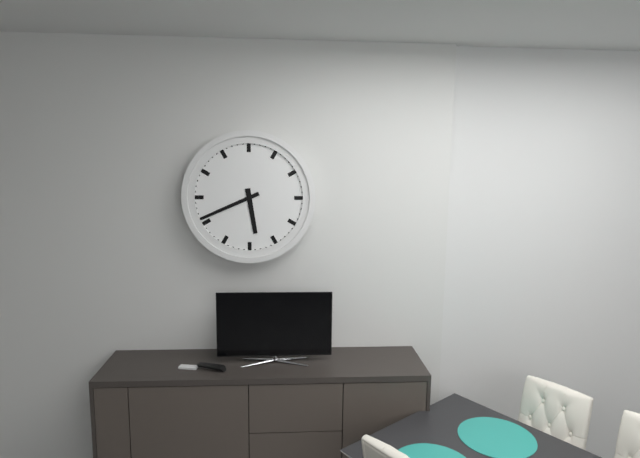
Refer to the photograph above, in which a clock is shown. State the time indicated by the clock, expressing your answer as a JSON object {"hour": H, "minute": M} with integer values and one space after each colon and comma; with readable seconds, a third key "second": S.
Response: {"hour": 5, "minute": 41}
